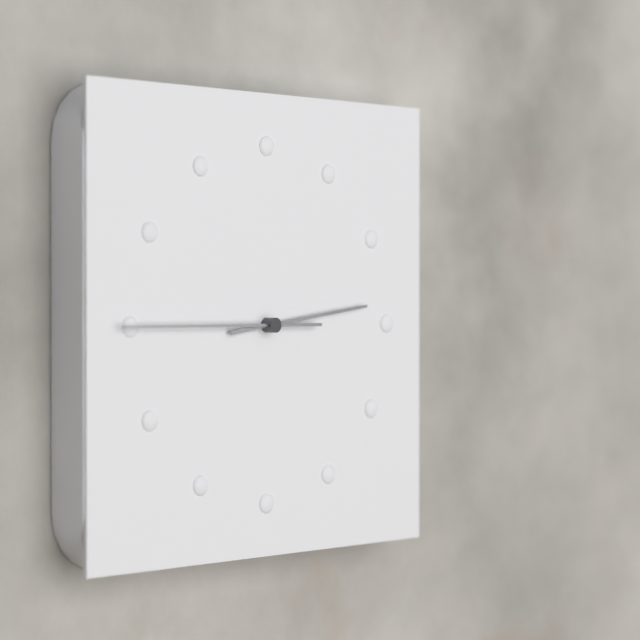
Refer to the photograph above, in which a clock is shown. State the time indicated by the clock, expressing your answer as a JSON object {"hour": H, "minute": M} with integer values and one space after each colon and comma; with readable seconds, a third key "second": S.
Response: {"hour": 2, "minute": 45}
